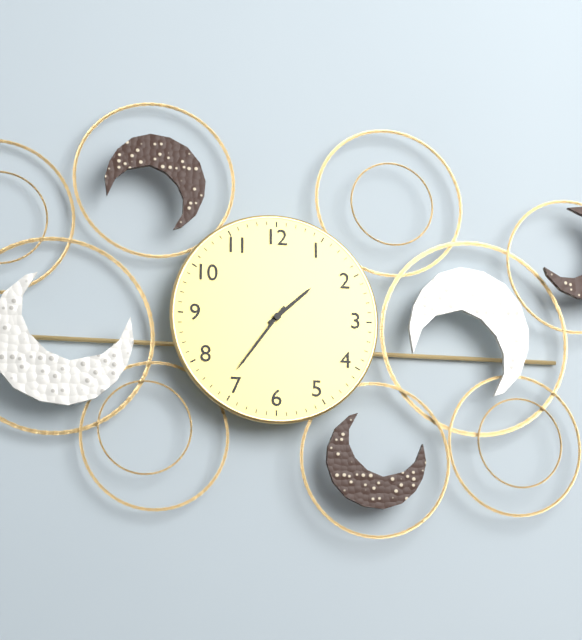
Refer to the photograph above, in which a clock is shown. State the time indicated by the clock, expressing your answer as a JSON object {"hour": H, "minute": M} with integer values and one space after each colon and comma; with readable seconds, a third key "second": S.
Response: {"hour": 1, "minute": 36}
